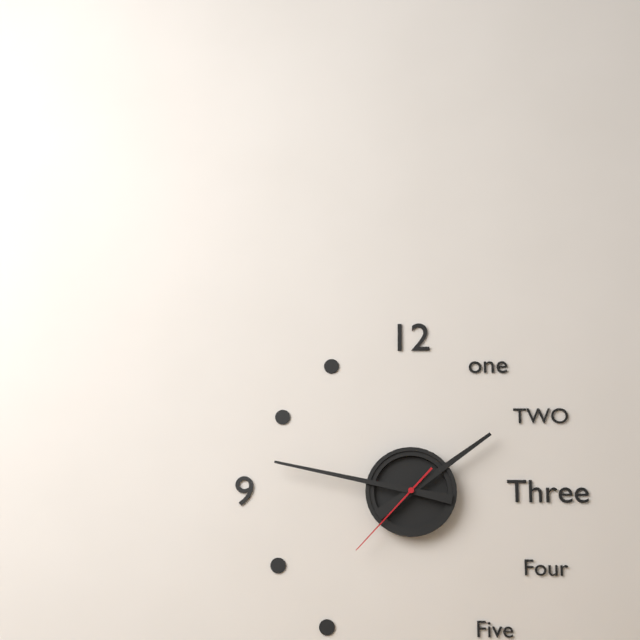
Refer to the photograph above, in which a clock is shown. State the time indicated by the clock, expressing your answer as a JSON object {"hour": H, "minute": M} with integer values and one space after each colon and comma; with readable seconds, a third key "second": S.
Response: {"hour": 1, "minute": 47, "second": 37}
